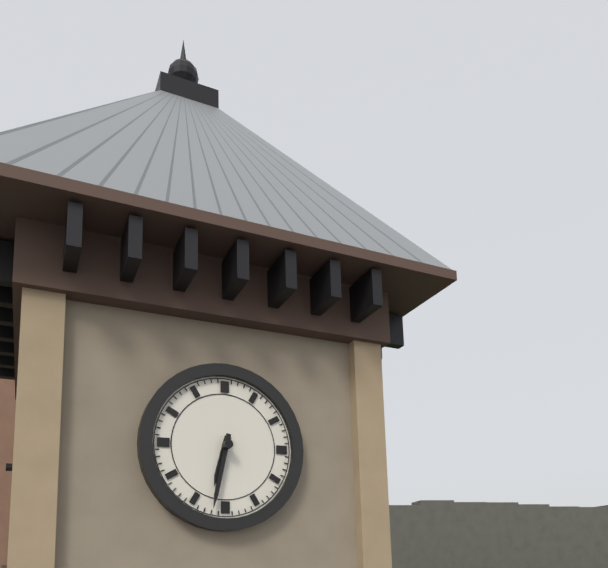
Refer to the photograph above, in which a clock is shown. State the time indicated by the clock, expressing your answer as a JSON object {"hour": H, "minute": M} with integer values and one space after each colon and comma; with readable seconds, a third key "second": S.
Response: {"hour": 6, "minute": 32}
